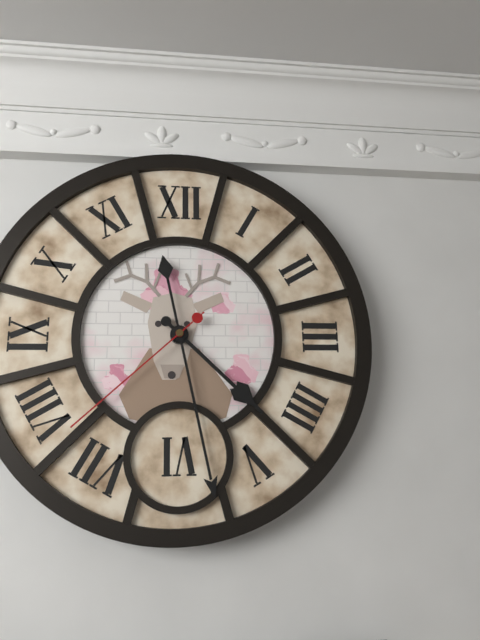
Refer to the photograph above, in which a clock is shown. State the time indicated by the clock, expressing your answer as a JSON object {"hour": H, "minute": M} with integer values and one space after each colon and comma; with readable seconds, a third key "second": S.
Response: {"hour": 4, "minute": 28, "second": 38}
